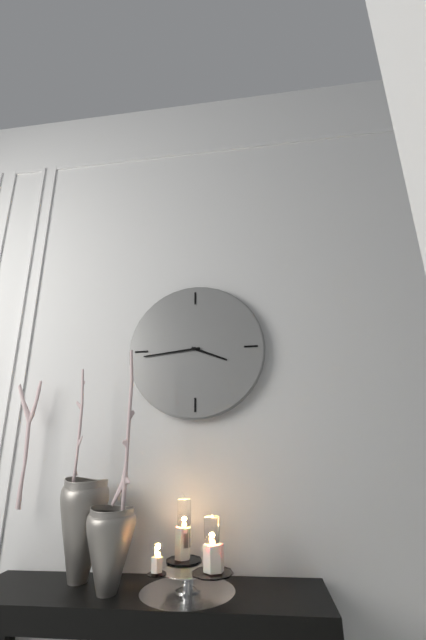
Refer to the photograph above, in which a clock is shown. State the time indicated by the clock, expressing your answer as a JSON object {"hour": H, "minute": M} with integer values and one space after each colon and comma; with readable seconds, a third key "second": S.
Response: {"hour": 3, "minute": 44}
